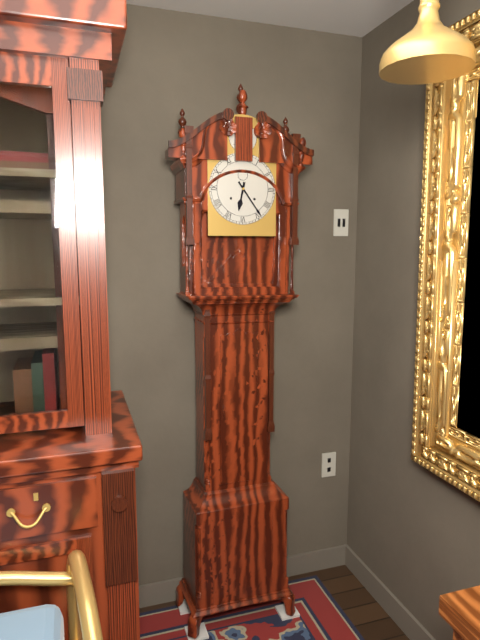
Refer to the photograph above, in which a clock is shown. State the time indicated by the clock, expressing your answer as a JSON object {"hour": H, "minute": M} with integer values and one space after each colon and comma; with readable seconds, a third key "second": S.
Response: {"hour": 6, "minute": 24}
